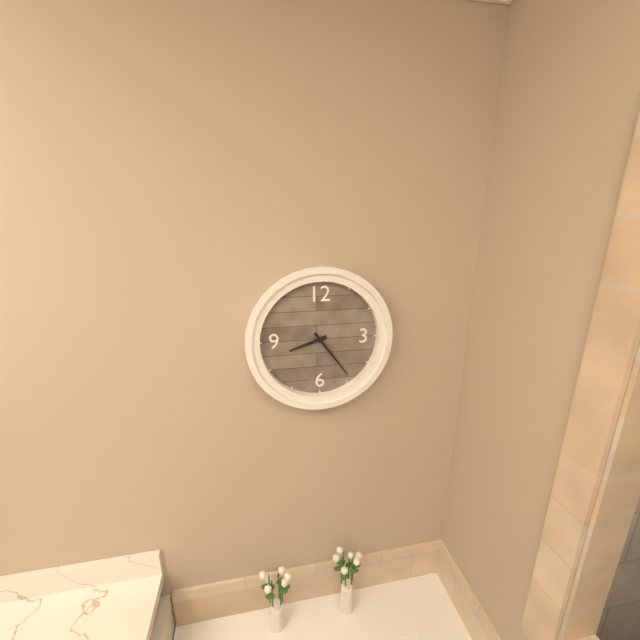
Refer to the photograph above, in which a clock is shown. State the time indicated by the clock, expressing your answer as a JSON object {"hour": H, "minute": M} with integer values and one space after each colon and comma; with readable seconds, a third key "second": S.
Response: {"hour": 8, "minute": 24}
